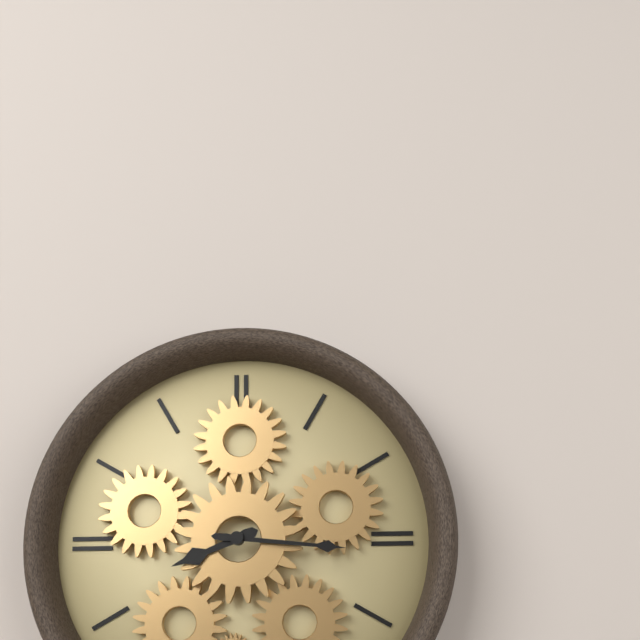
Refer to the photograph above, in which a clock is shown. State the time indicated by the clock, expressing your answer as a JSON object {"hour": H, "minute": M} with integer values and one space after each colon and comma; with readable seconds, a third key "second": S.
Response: {"hour": 8, "minute": 16}
